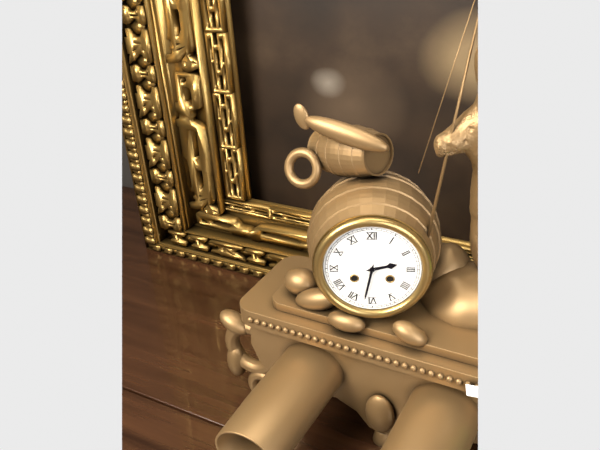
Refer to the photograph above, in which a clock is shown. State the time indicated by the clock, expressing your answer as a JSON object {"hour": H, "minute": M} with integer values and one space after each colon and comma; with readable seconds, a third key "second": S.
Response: {"hour": 2, "minute": 32}
